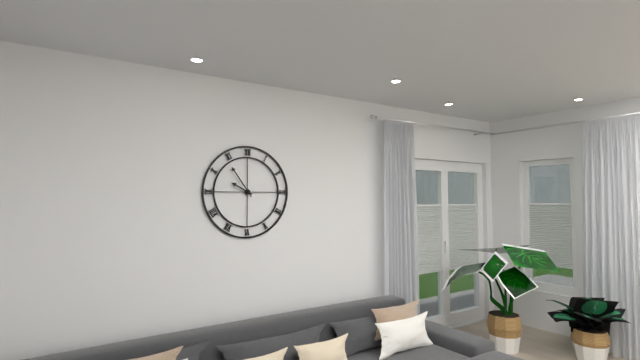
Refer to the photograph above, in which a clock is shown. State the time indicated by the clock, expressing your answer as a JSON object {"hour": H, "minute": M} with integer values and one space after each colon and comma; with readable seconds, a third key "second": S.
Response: {"hour": 9, "minute": 54}
